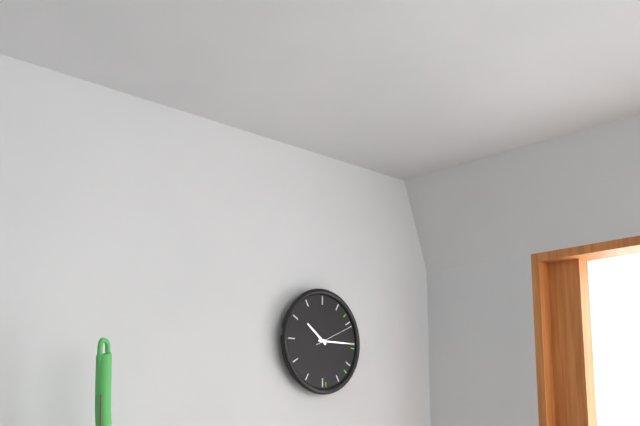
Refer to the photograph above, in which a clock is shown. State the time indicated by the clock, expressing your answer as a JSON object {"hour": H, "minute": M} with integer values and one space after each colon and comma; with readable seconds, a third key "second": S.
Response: {"hour": 10, "minute": 15, "second": 11}
